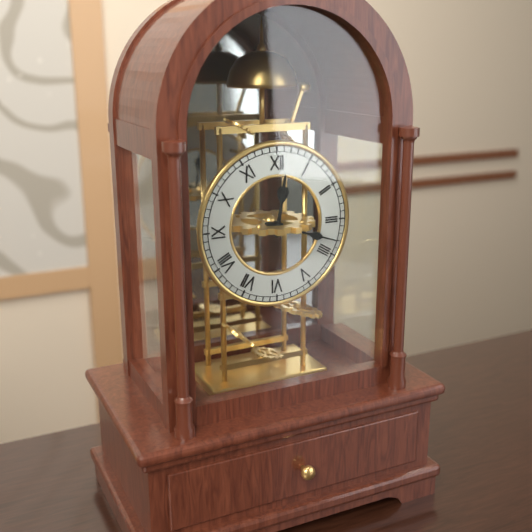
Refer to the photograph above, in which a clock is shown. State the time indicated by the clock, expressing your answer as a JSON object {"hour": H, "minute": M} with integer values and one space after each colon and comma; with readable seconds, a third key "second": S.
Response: {"hour": 12, "minute": 18}
